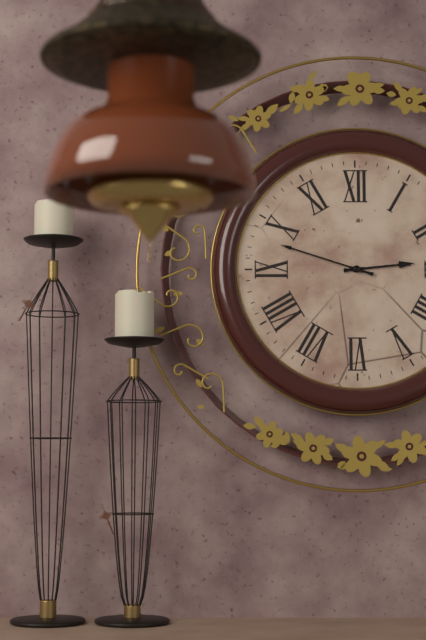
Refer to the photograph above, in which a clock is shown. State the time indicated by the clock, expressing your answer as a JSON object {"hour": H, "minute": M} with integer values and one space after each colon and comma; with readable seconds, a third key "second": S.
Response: {"hour": 2, "minute": 48}
